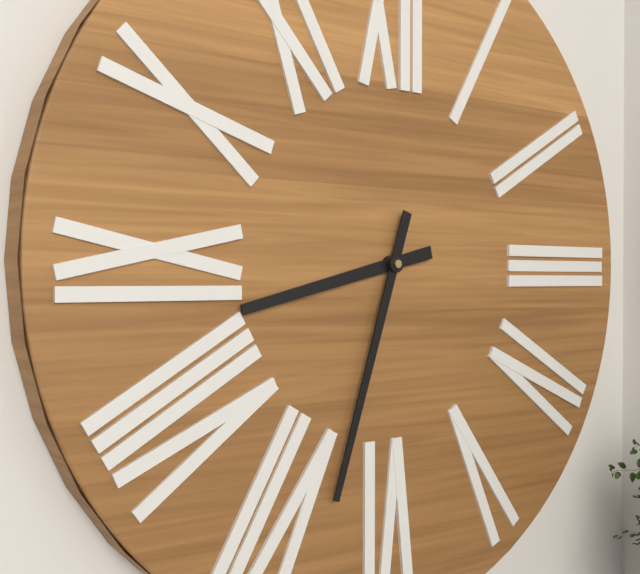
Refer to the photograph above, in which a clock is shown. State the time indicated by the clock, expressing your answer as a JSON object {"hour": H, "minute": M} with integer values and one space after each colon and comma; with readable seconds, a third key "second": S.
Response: {"hour": 8, "minute": 33}
